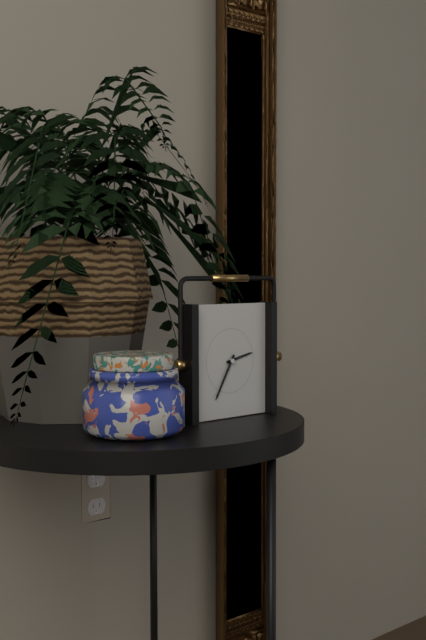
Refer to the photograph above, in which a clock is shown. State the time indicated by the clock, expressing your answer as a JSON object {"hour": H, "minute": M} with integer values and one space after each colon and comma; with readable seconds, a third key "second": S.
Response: {"hour": 2, "minute": 35}
